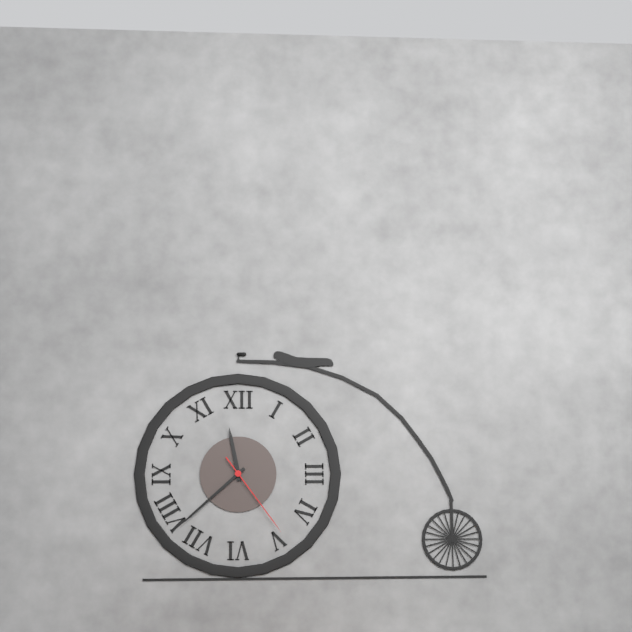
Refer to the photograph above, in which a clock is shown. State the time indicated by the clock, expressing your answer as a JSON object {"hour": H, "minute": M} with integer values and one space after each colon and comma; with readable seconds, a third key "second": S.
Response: {"hour": 11, "minute": 38, "second": 24}
